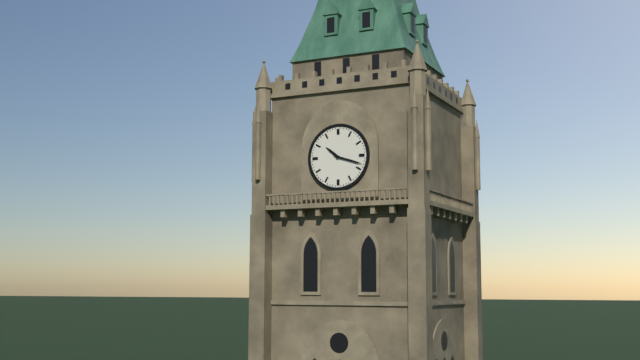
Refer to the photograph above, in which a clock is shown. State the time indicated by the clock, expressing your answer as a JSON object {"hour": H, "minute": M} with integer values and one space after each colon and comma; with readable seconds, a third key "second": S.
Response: {"hour": 10, "minute": 18}
